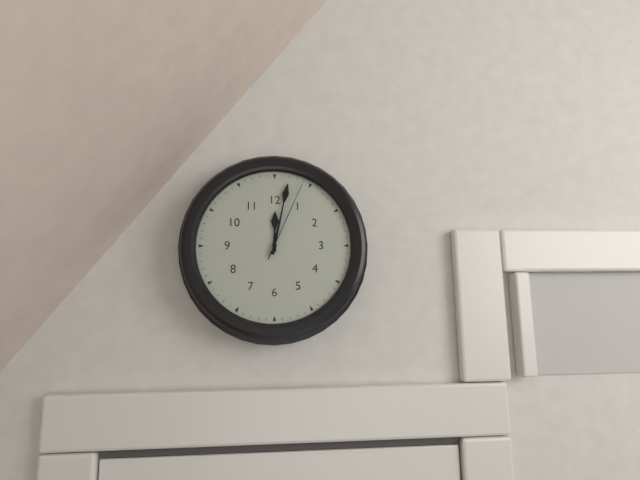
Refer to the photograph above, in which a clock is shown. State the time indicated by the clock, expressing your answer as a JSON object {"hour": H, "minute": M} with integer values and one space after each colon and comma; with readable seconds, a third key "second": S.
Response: {"hour": 12, "minute": 2, "second": 4}
